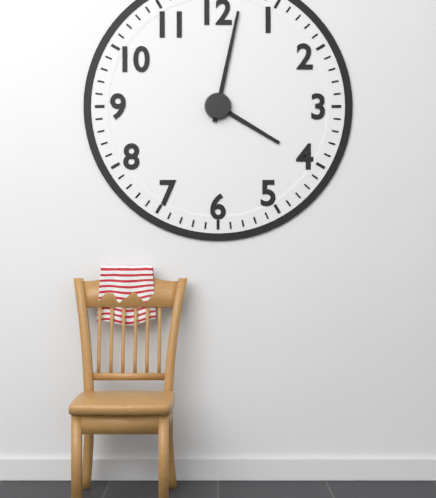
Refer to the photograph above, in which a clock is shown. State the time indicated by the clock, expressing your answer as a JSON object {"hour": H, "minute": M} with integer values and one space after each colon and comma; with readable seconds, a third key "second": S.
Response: {"hour": 4, "minute": 2}
